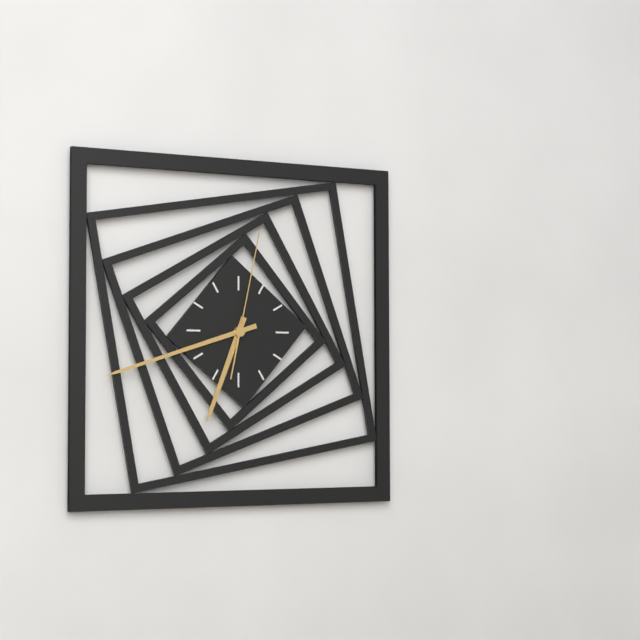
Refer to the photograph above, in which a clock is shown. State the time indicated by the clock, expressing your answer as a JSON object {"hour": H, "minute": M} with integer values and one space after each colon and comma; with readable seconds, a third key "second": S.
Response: {"hour": 6, "minute": 42, "second": 2}
